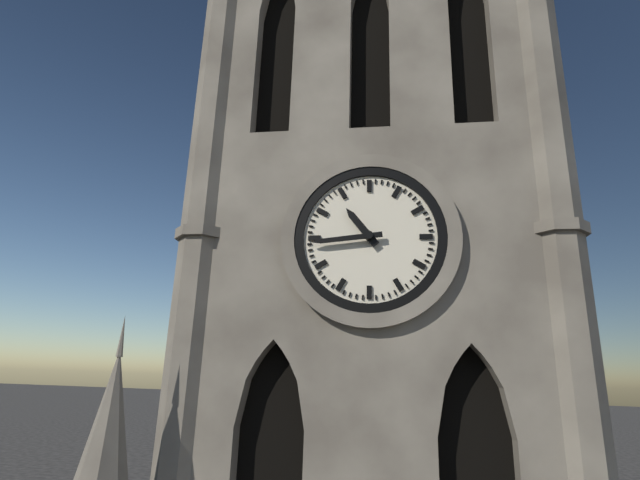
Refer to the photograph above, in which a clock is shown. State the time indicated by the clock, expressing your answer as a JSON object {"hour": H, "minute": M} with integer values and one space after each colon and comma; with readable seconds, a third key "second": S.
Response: {"hour": 10, "minute": 44}
